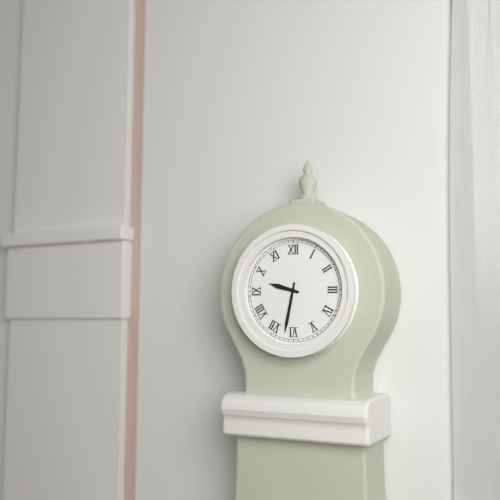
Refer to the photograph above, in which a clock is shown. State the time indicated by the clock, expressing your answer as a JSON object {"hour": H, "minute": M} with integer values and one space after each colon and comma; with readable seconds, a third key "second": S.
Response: {"hour": 9, "minute": 32}
